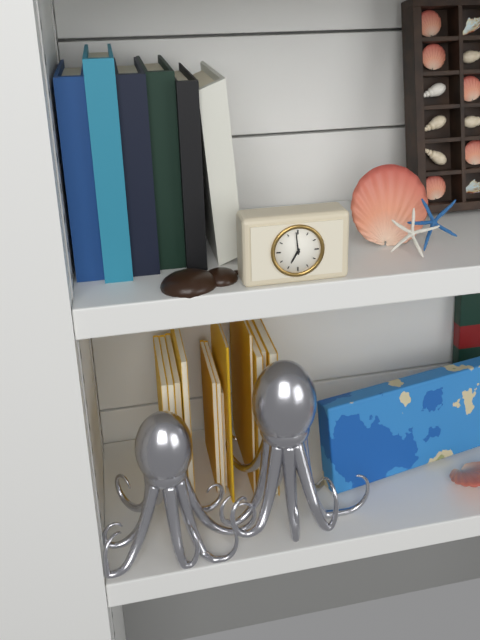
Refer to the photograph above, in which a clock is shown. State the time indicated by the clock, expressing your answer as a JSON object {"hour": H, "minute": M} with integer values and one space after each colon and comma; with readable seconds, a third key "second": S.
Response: {"hour": 6, "minute": 59}
